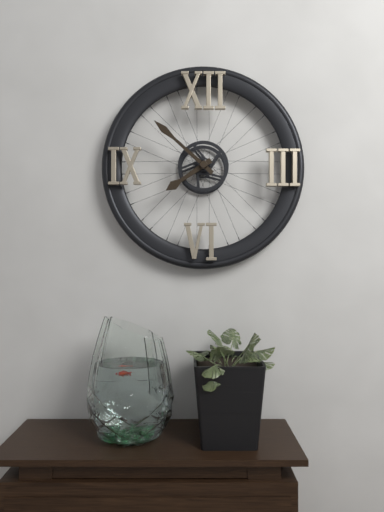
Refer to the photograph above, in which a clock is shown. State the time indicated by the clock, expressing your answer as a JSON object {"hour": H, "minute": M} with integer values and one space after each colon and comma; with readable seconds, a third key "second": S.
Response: {"hour": 7, "minute": 52}
